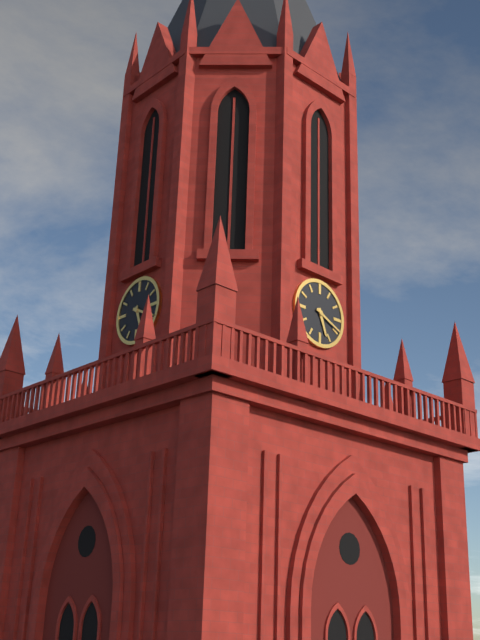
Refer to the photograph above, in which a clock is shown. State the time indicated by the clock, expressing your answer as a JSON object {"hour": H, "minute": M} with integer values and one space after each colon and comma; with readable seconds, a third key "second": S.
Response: {"hour": 5, "minute": 19}
